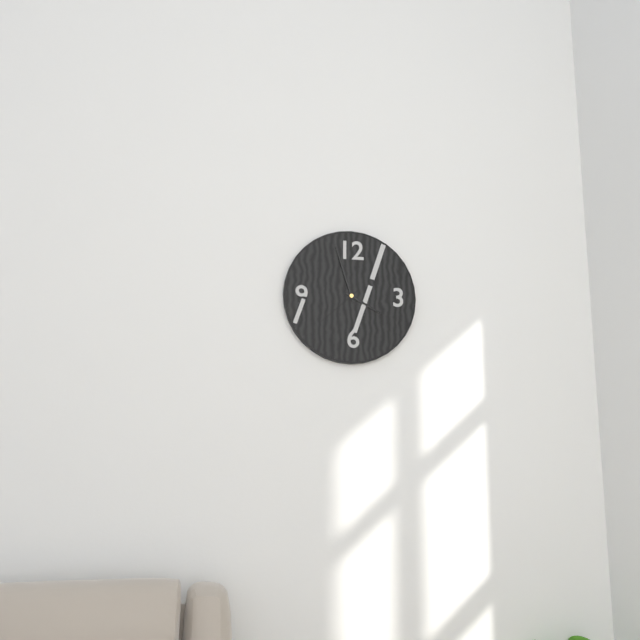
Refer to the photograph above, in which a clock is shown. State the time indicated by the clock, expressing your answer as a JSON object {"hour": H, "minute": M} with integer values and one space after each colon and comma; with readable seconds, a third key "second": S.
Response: {"hour": 3, "minute": 57, "second": 38}
